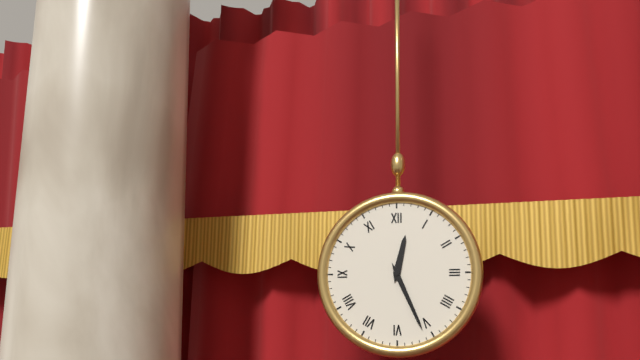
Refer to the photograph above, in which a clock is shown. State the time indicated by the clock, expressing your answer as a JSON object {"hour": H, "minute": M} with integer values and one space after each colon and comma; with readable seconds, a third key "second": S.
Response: {"hour": 12, "minute": 26}
